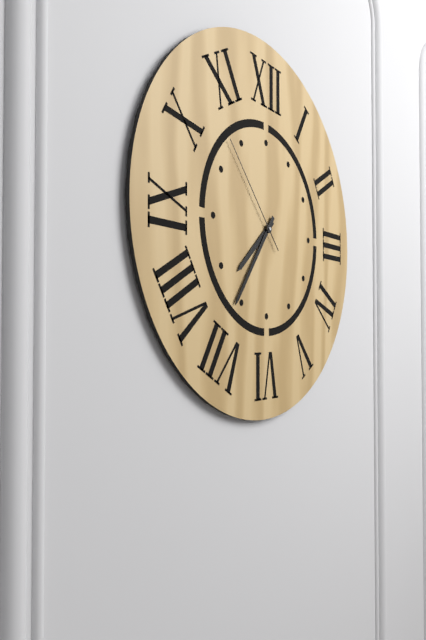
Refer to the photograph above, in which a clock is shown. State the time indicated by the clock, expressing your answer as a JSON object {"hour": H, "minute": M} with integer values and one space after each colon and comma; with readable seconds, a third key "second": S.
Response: {"hour": 7, "minute": 36, "second": 53}
